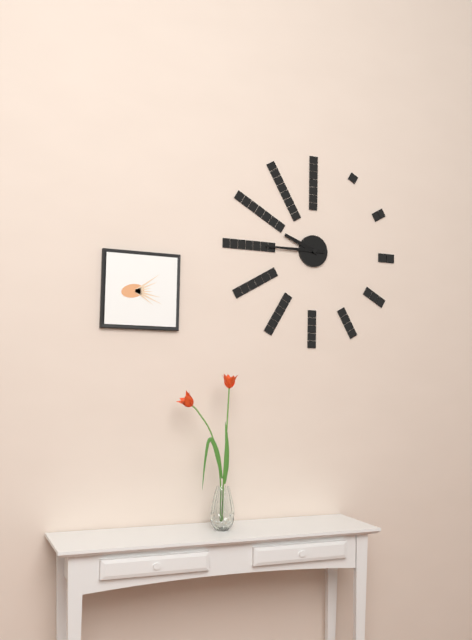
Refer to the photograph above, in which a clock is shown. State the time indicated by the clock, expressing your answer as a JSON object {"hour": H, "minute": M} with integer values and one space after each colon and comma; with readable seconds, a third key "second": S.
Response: {"hour": 9, "minute": 45}
